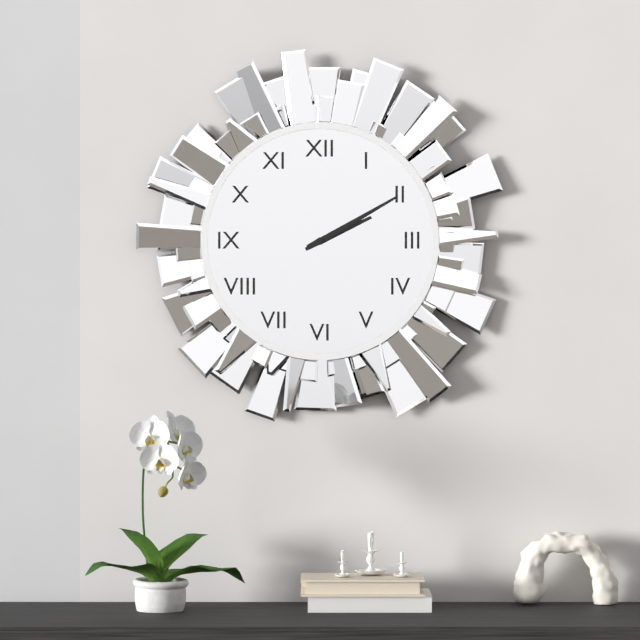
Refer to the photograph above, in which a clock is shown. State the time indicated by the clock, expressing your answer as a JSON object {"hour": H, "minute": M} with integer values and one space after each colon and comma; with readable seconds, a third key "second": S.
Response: {"hour": 2, "minute": 10}
